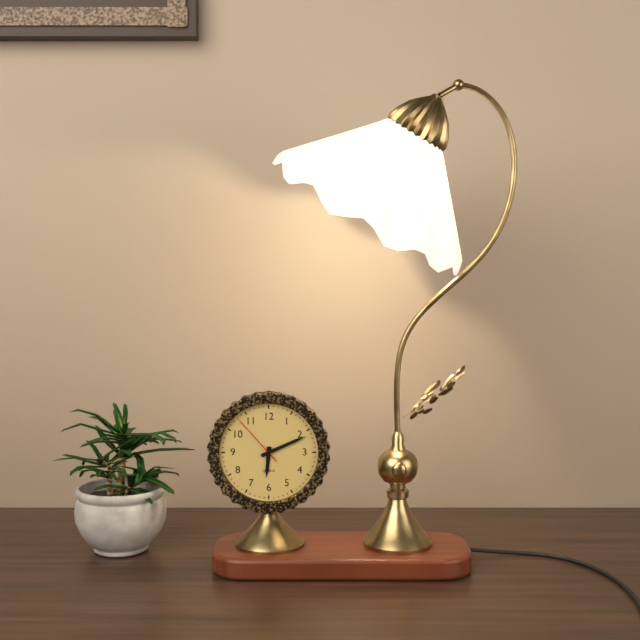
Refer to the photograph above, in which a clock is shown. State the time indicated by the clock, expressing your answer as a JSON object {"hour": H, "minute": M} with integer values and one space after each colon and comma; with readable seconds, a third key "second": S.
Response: {"hour": 6, "minute": 11, "second": 53}
